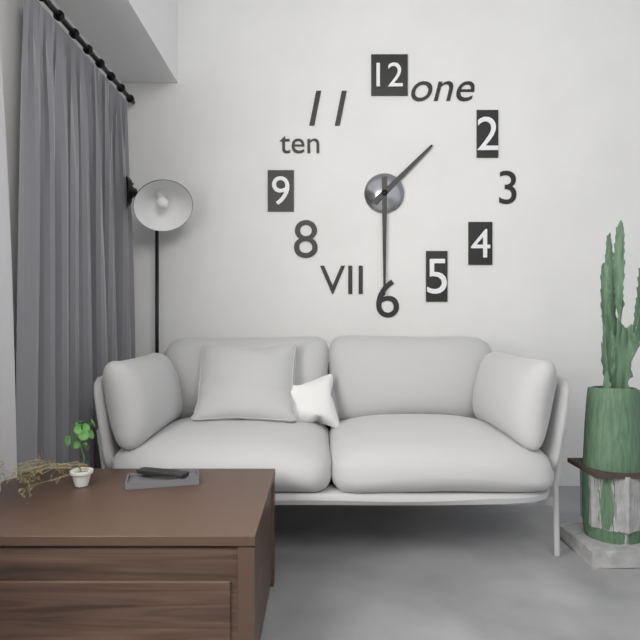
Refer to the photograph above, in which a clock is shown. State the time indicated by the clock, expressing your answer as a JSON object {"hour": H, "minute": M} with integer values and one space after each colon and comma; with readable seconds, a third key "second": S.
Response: {"hour": 1, "minute": 30}
